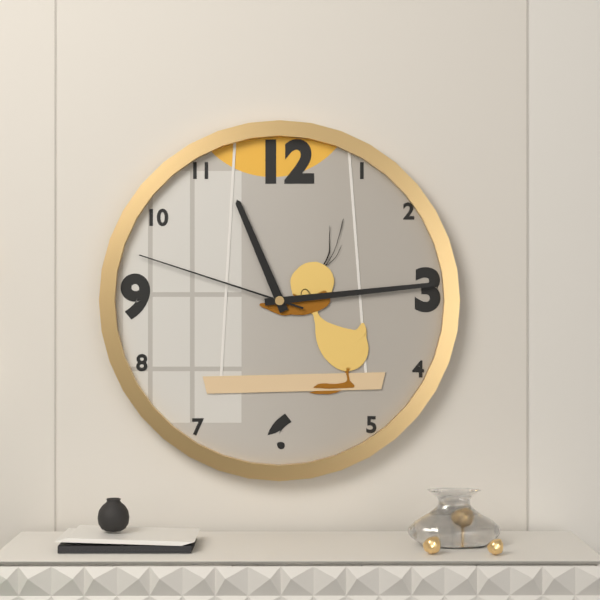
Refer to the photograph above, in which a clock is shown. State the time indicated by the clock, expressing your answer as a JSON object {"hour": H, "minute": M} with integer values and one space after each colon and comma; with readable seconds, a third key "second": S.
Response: {"hour": 11, "minute": 14, "second": 48}
